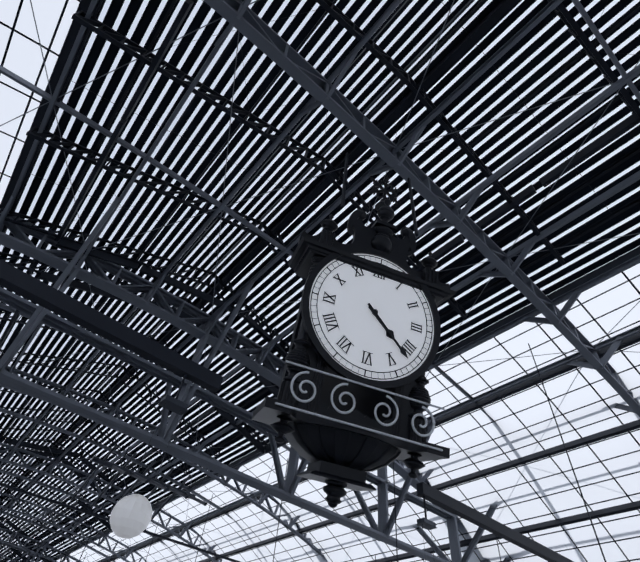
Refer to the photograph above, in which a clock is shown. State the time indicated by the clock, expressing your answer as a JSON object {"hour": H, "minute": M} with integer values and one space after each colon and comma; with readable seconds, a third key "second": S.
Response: {"hour": 4, "minute": 22}
